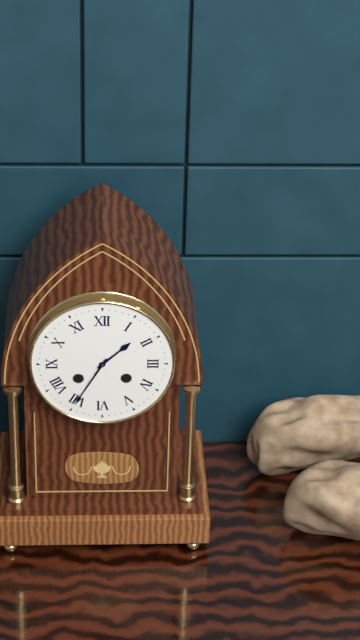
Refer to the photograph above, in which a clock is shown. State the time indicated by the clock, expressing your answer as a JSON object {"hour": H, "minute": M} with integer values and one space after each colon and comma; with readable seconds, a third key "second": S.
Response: {"hour": 1, "minute": 35}
